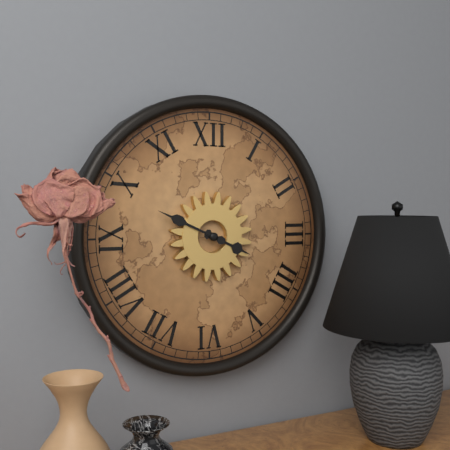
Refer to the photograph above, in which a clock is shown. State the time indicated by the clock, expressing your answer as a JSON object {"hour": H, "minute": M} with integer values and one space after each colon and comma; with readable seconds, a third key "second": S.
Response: {"hour": 3, "minute": 49}
